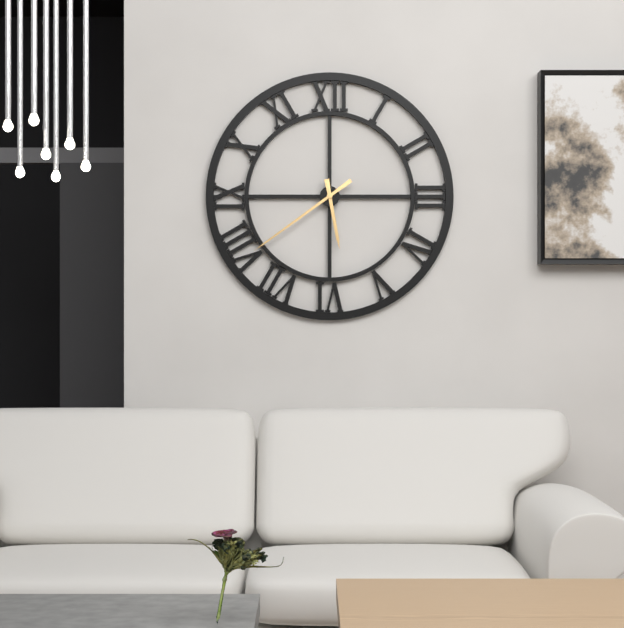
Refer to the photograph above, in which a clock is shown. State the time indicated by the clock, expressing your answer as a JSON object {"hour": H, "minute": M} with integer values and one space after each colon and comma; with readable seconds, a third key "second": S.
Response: {"hour": 5, "minute": 39}
